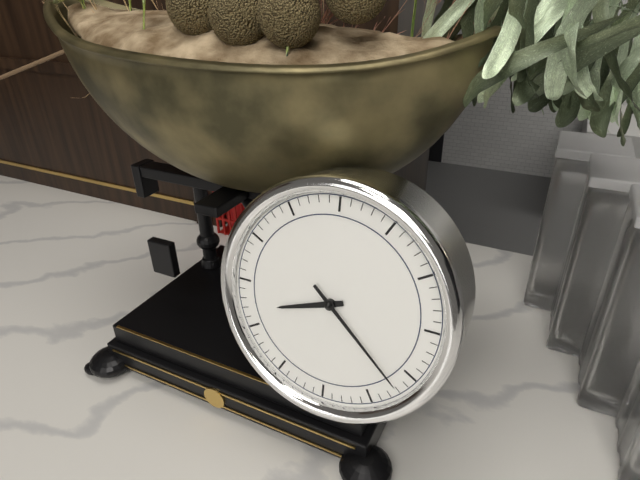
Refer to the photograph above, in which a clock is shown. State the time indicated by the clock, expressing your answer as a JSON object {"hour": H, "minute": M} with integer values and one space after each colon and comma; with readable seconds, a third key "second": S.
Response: {"hour": 8, "minute": 22}
